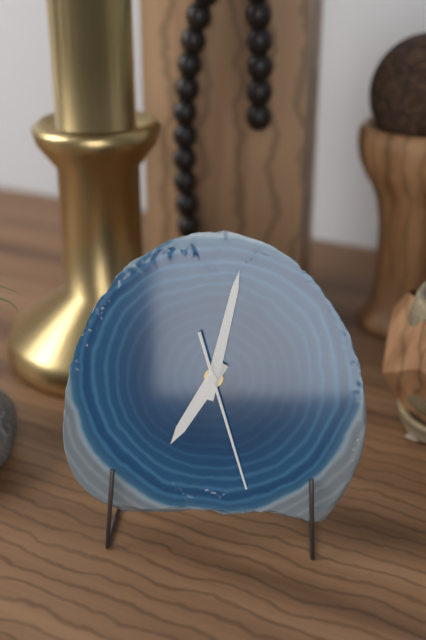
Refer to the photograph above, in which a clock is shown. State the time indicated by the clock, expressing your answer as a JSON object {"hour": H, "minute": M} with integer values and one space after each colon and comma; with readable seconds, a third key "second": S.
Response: {"hour": 7, "minute": 2, "second": 27}
